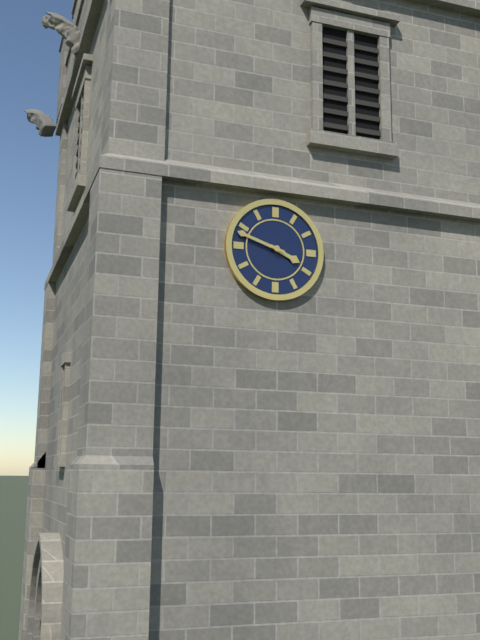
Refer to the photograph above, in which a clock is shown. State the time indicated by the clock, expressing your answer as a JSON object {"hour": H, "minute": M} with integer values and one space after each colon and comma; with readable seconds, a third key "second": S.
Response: {"hour": 3, "minute": 48}
